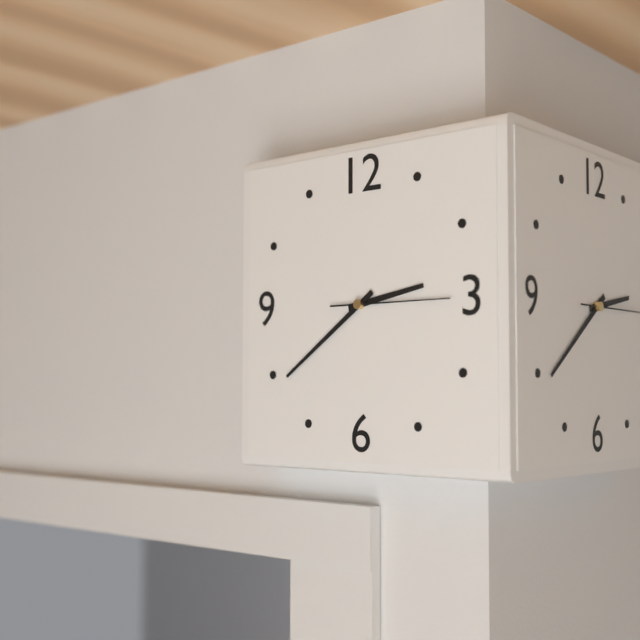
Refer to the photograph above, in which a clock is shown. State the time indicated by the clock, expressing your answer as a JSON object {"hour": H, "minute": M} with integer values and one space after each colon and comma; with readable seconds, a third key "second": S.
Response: {"hour": 2, "minute": 39, "second": 15}
